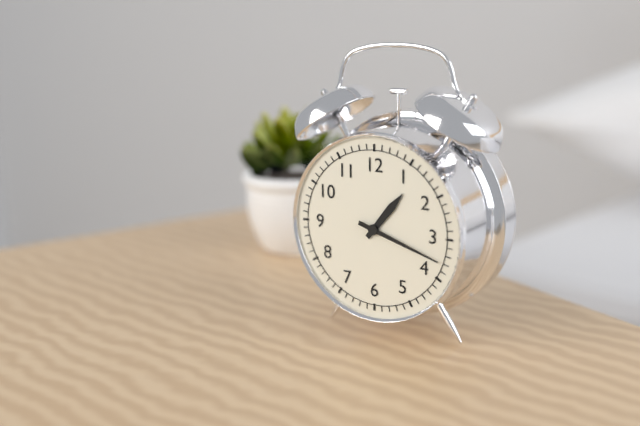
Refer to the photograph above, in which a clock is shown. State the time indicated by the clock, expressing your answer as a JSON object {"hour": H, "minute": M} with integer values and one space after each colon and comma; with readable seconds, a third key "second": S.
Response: {"hour": 1, "minute": 18}
